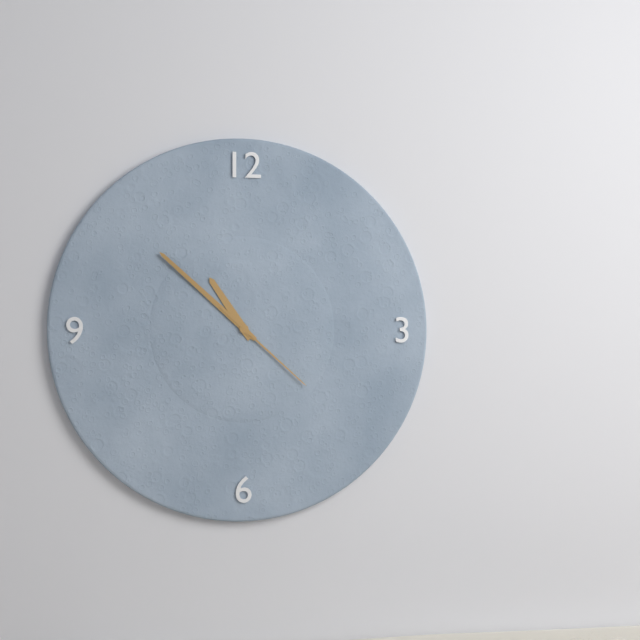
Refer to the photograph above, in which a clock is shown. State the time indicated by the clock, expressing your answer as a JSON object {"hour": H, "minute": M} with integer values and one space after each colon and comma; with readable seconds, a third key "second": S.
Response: {"hour": 10, "minute": 52, "second": 22}
